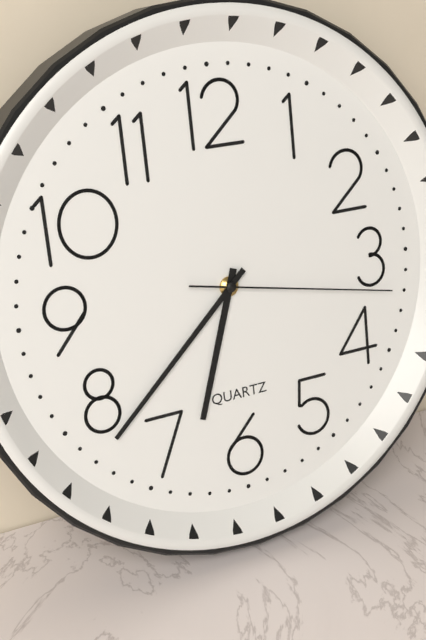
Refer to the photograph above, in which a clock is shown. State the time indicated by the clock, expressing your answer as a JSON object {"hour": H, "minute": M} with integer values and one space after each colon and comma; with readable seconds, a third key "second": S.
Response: {"hour": 6, "minute": 38, "second": 17}
